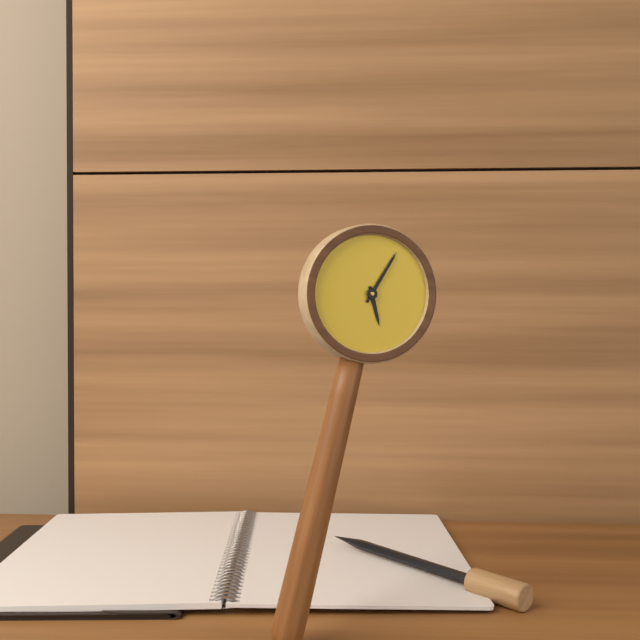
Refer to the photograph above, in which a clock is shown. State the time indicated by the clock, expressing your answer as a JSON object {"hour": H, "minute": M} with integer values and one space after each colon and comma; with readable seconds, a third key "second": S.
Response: {"hour": 5, "minute": 3}
